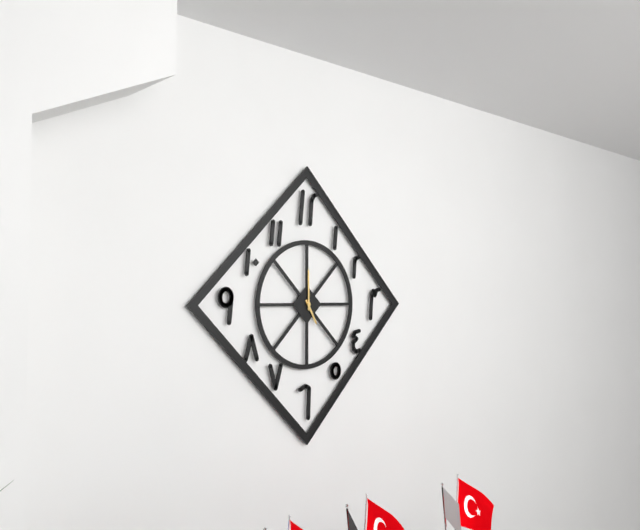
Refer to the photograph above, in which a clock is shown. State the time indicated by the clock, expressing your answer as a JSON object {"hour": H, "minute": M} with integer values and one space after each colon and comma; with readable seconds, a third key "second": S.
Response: {"hour": 5, "minute": 0}
